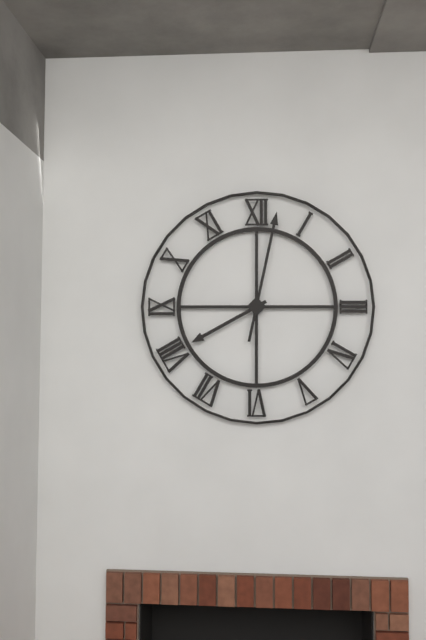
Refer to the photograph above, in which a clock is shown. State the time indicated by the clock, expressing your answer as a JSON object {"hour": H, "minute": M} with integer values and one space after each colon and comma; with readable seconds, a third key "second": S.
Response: {"hour": 8, "minute": 2}
